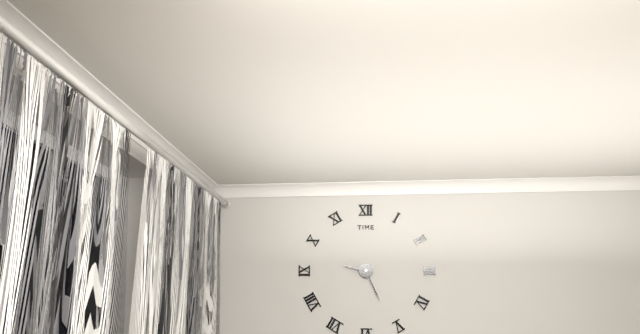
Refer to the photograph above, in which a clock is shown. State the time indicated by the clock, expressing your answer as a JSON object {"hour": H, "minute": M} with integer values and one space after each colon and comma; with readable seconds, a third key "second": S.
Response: {"hour": 9, "minute": 26}
